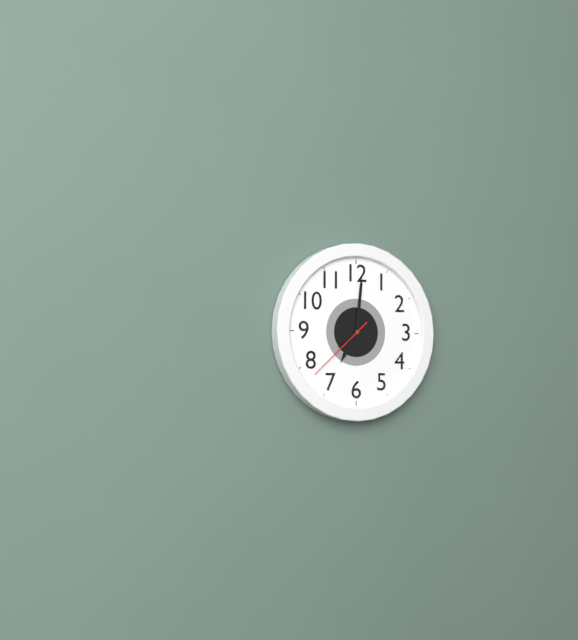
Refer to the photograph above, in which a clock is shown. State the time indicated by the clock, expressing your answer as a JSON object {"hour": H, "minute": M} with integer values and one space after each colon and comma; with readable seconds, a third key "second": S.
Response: {"hour": 7, "minute": 1, "second": 38}
